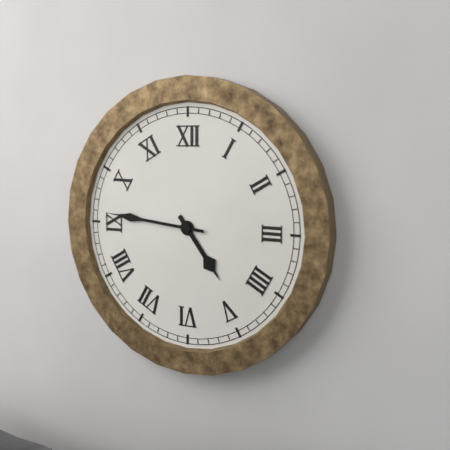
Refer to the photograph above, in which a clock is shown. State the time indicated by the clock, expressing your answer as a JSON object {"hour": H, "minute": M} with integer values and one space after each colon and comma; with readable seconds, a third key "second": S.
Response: {"hour": 4, "minute": 46}
